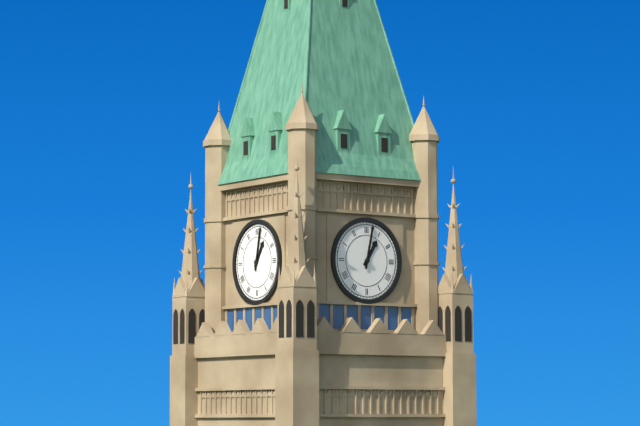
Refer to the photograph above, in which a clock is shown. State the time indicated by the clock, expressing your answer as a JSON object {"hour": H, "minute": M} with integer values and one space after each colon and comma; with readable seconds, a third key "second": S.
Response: {"hour": 1, "minute": 2}
